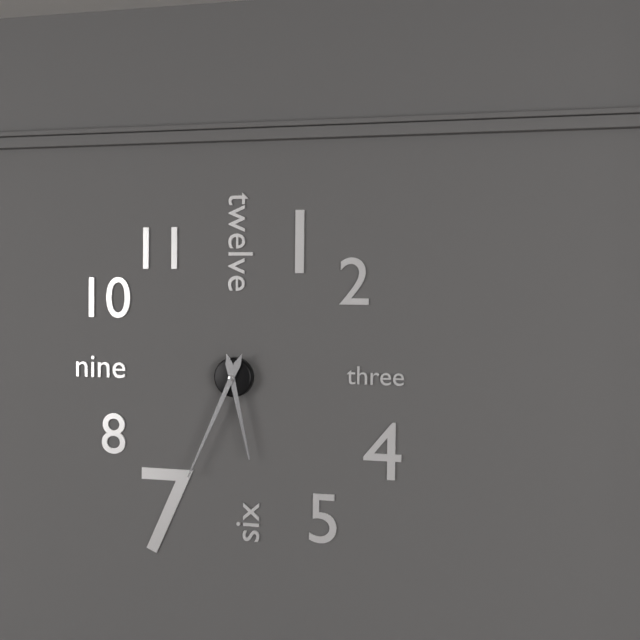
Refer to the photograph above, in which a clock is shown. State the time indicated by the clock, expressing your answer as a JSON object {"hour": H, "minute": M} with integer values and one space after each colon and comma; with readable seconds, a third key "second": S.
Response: {"hour": 5, "minute": 34}
